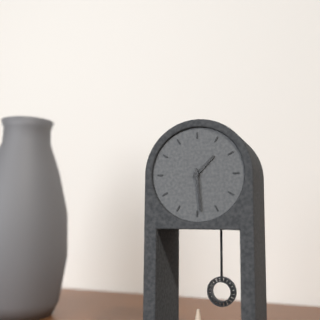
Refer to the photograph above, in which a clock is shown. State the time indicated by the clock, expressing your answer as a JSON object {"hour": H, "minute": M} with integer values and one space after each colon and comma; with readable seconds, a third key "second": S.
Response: {"hour": 1, "minute": 29}
